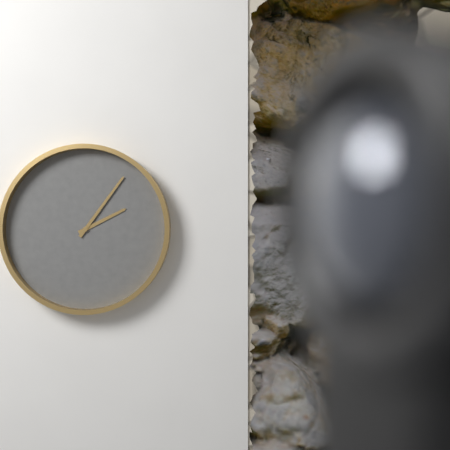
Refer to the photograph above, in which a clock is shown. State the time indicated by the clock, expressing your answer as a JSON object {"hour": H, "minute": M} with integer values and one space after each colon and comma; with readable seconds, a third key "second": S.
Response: {"hour": 2, "minute": 6}
